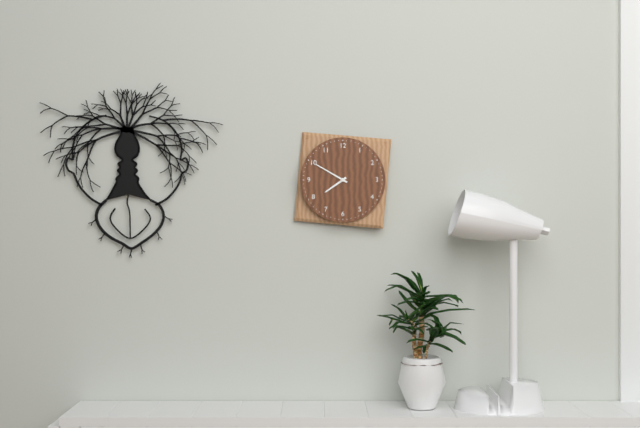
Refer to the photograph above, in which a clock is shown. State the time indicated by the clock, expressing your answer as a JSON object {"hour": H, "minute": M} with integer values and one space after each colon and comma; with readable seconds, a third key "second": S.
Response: {"hour": 7, "minute": 50}
